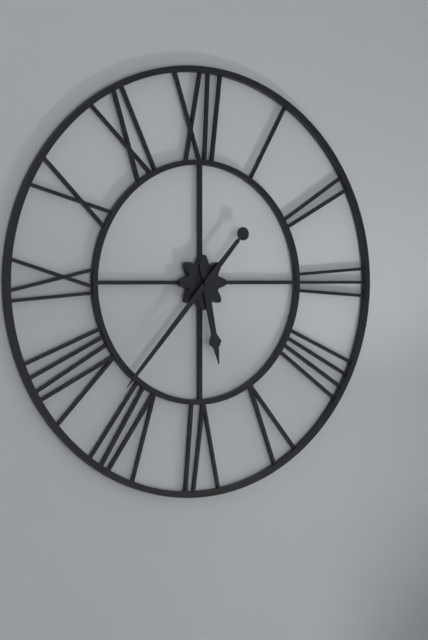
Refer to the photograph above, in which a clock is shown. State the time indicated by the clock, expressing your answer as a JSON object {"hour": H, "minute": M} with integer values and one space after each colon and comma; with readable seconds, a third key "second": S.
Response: {"hour": 5, "minute": 37}
